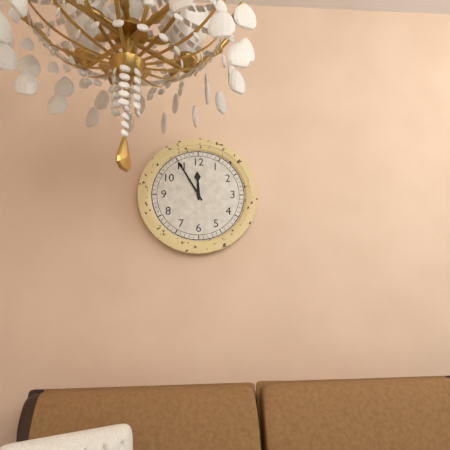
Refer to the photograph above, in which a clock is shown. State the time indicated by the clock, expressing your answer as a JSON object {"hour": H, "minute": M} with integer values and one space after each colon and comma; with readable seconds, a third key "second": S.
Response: {"hour": 11, "minute": 55}
